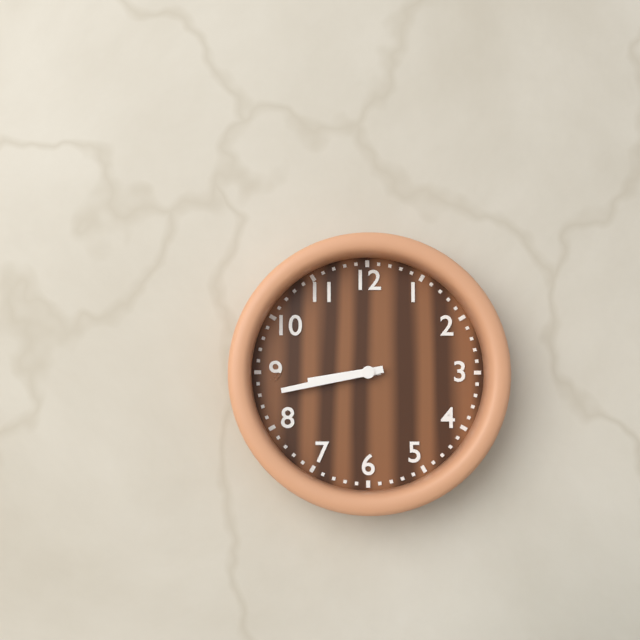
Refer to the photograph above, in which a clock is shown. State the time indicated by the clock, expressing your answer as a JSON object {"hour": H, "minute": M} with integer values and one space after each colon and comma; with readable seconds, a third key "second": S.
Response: {"hour": 8, "minute": 43}
